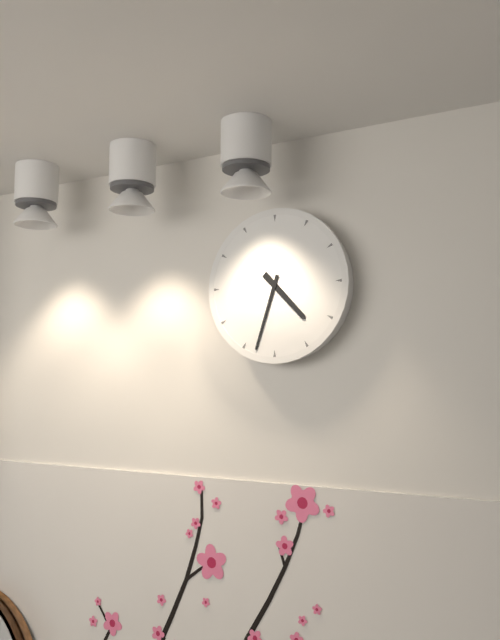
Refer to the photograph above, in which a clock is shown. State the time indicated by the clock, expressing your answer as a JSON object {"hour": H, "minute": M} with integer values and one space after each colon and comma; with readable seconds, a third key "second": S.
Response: {"hour": 4, "minute": 33}
